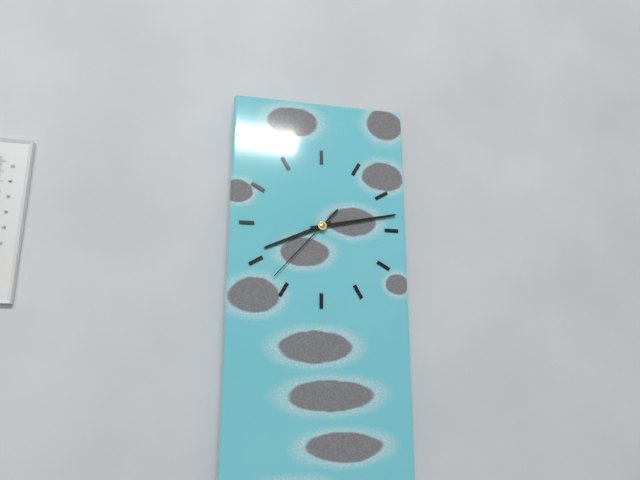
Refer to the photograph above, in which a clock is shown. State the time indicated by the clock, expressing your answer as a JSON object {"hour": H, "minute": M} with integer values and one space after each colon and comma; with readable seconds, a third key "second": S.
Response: {"hour": 8, "minute": 13, "second": 37}
